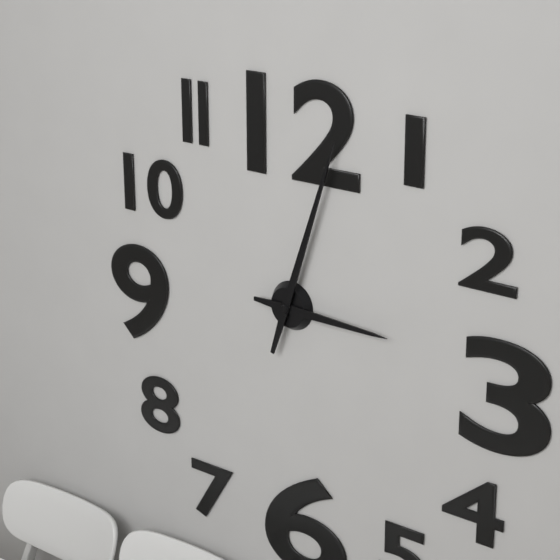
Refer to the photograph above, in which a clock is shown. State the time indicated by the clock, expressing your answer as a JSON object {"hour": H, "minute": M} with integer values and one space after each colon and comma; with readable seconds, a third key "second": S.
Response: {"hour": 3, "minute": 3}
